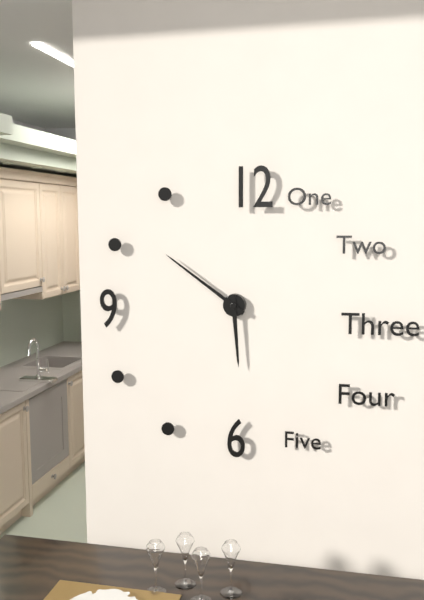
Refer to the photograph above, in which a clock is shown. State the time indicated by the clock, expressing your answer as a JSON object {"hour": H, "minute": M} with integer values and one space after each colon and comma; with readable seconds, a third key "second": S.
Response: {"hour": 5, "minute": 51}
